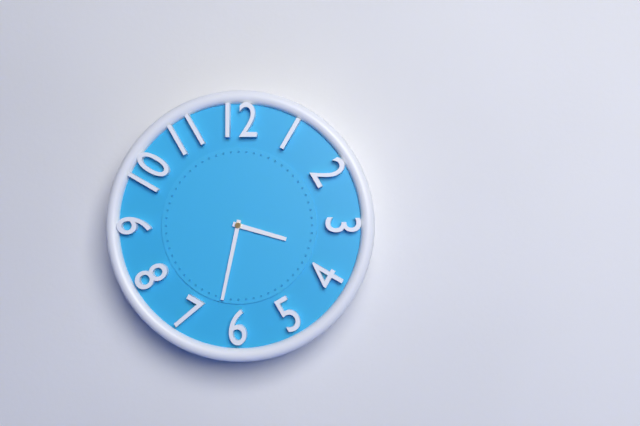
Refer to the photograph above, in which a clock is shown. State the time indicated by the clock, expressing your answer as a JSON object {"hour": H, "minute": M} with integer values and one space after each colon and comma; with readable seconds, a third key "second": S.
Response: {"hour": 3, "minute": 32}
